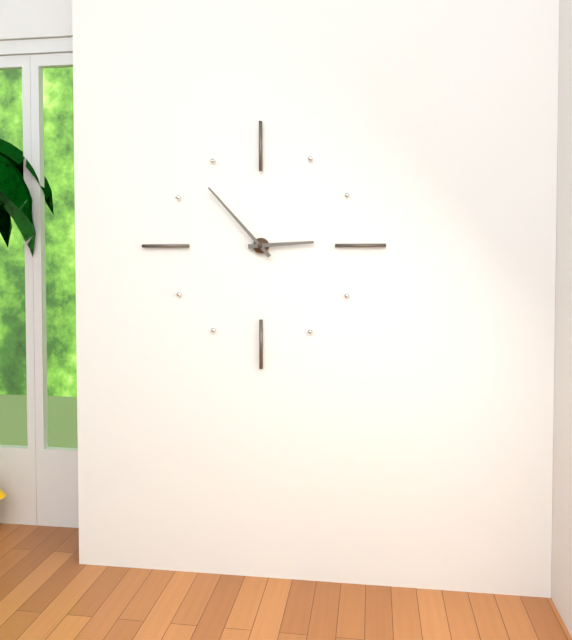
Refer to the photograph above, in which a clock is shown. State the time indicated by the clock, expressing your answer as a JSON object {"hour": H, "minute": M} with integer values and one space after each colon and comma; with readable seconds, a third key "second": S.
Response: {"hour": 2, "minute": 53}
